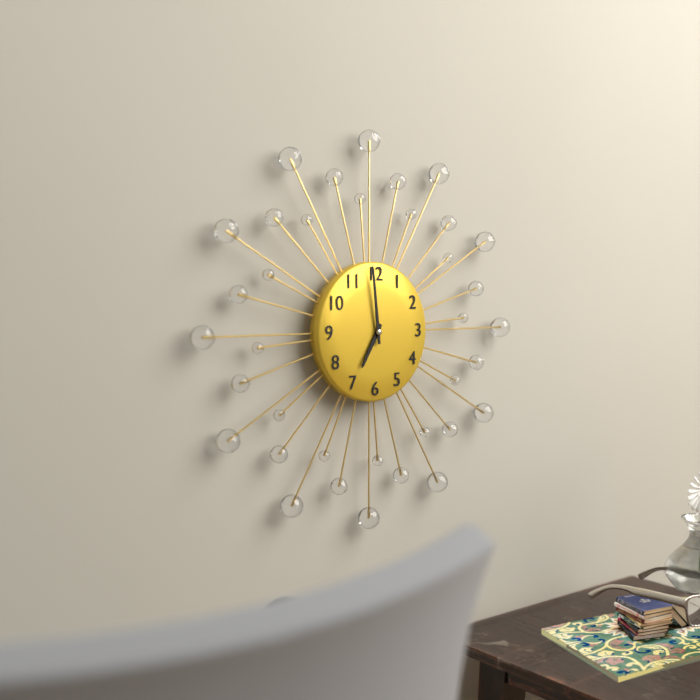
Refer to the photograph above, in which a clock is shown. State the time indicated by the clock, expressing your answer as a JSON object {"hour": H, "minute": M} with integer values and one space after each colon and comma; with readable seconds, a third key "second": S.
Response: {"hour": 6, "minute": 59}
